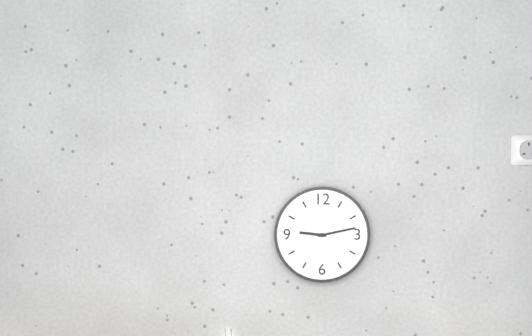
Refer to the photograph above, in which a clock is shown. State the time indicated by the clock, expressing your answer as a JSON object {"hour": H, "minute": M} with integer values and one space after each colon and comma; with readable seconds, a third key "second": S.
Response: {"hour": 9, "minute": 13}
